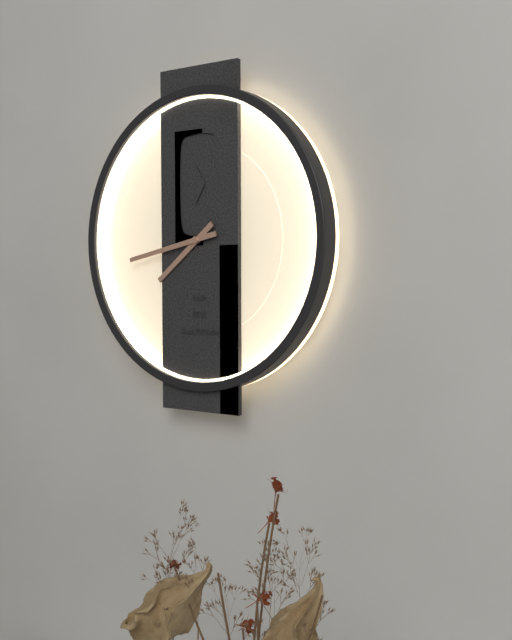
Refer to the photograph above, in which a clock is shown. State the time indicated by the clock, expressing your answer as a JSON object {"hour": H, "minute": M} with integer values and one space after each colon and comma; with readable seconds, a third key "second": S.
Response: {"hour": 7, "minute": 43}
